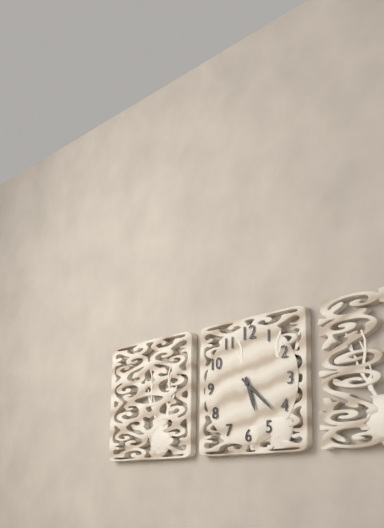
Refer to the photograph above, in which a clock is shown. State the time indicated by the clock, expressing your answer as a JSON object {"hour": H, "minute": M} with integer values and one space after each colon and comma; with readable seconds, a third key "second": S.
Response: {"hour": 5, "minute": 22}
